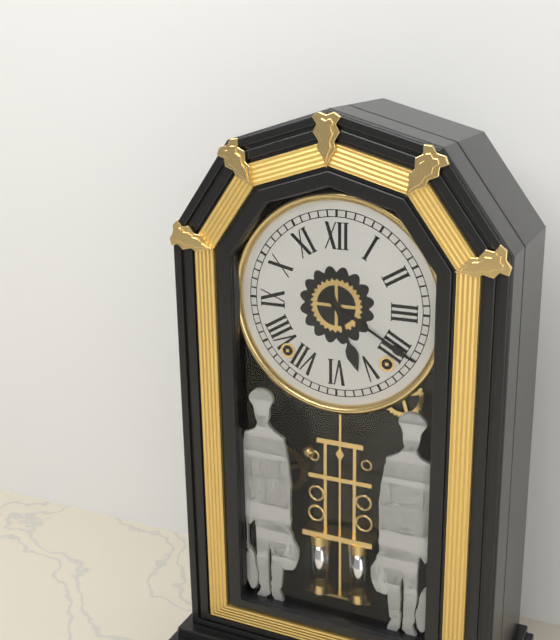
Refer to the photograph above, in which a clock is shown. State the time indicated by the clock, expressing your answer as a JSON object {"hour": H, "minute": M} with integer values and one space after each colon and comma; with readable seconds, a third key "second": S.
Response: {"hour": 5, "minute": 20}
